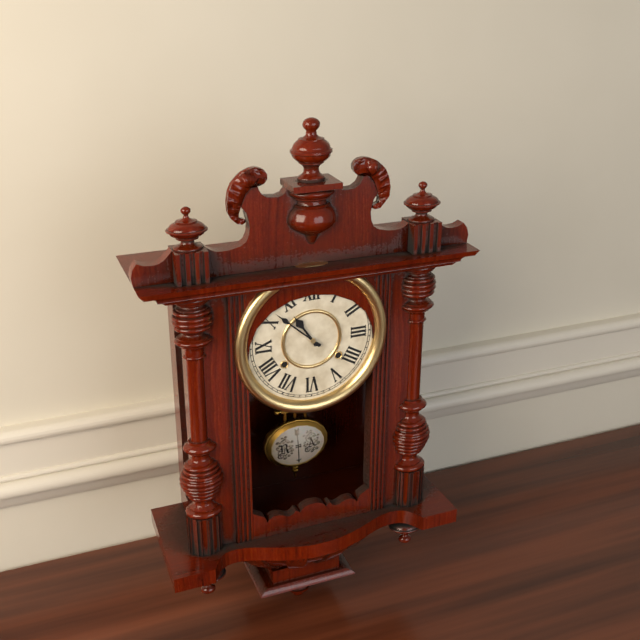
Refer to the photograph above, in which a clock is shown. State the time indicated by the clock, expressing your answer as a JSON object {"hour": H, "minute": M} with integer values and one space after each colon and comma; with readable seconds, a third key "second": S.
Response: {"hour": 10, "minute": 52}
